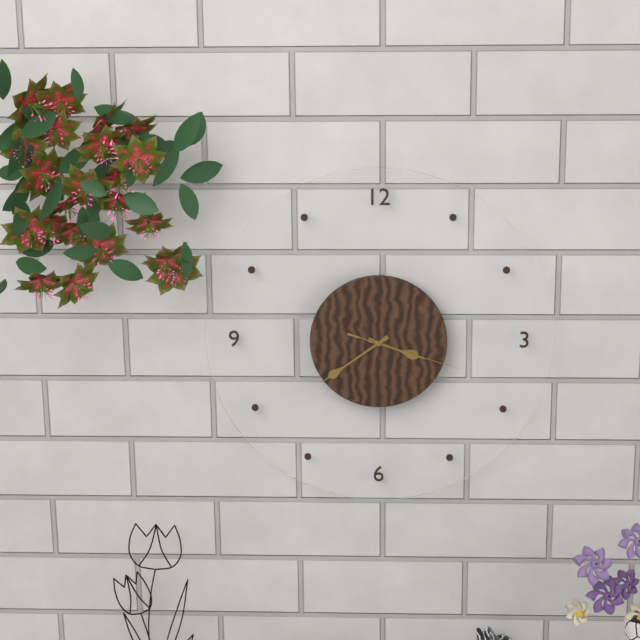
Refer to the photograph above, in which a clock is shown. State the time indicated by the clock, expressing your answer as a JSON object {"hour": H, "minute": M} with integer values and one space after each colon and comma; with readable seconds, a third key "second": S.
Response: {"hour": 3, "minute": 39, "second": 18}
